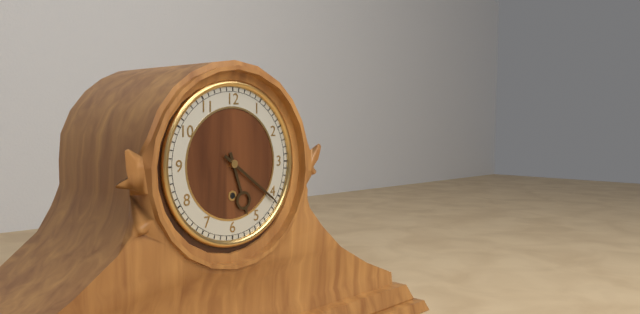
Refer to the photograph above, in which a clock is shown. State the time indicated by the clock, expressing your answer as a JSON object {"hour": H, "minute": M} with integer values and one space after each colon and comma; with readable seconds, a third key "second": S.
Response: {"hour": 5, "minute": 21}
